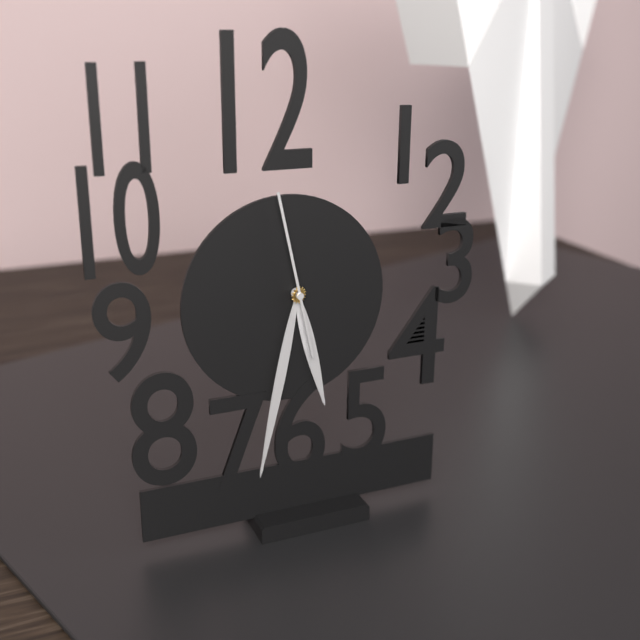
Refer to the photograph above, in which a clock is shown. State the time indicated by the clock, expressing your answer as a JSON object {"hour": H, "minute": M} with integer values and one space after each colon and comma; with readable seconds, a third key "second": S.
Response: {"hour": 5, "minute": 32, "second": 58}
